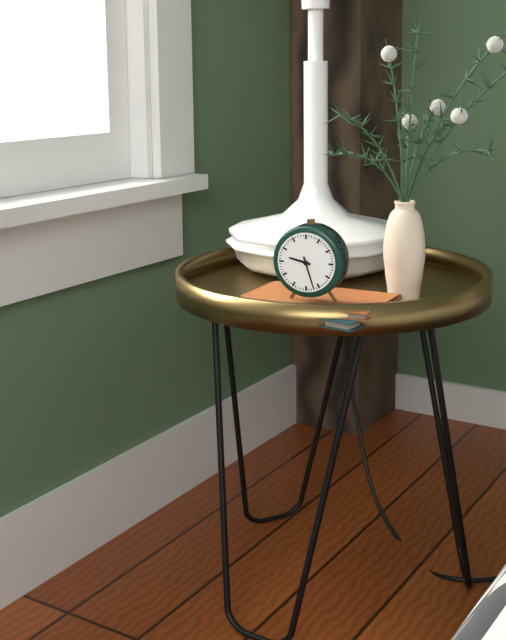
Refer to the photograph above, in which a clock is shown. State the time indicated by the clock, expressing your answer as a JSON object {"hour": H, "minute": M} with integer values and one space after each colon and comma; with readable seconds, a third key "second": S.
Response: {"hour": 9, "minute": 27}
